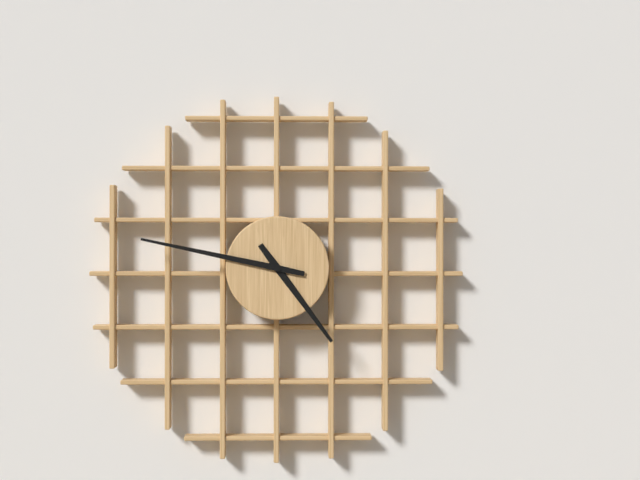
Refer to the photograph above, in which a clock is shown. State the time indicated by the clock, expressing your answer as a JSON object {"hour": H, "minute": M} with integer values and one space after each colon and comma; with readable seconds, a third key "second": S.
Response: {"hour": 4, "minute": 47}
